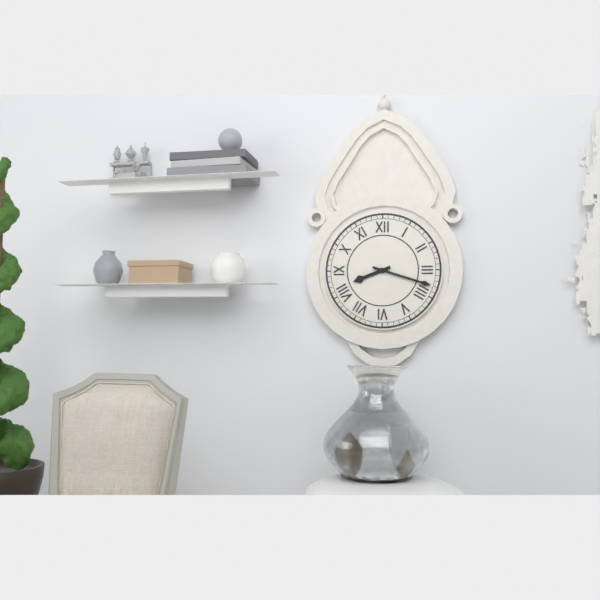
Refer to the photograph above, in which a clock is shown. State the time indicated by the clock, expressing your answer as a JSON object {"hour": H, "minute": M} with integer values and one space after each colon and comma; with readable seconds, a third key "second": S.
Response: {"hour": 8, "minute": 18}
